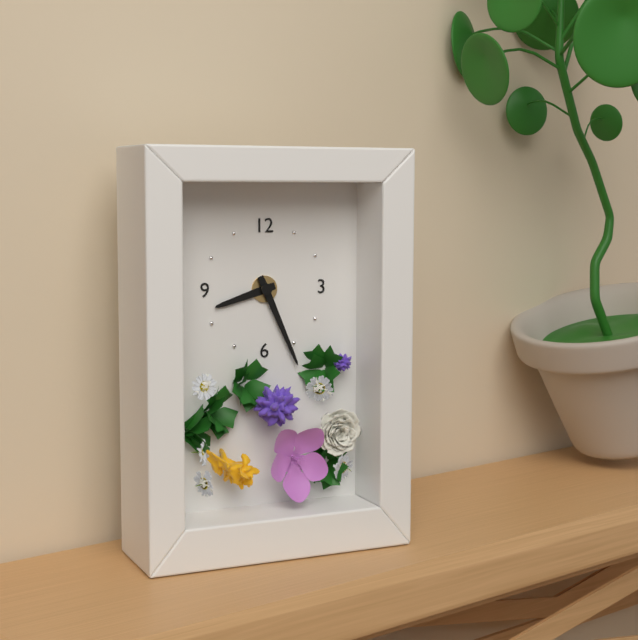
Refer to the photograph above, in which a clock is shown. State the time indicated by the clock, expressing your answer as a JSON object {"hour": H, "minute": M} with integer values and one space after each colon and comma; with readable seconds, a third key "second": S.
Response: {"hour": 8, "minute": 26}
